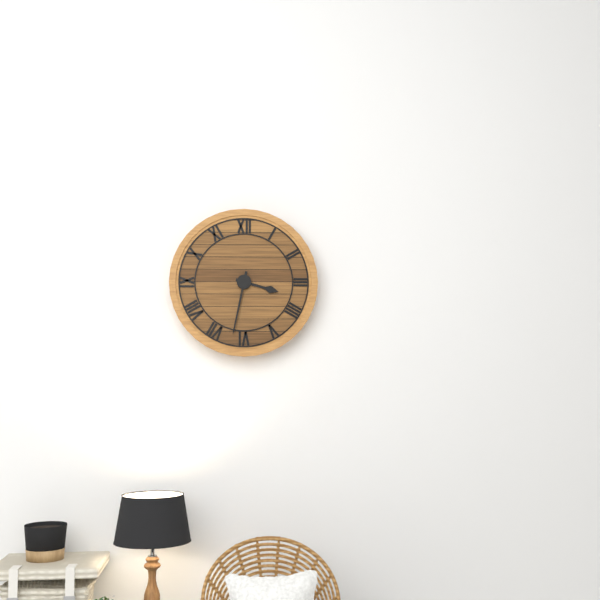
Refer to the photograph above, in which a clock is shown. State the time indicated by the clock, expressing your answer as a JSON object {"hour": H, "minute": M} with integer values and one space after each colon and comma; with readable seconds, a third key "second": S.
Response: {"hour": 3, "minute": 32}
